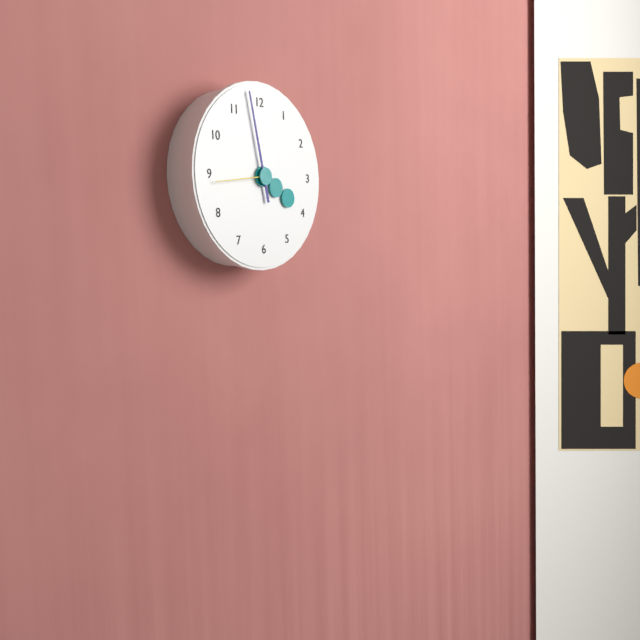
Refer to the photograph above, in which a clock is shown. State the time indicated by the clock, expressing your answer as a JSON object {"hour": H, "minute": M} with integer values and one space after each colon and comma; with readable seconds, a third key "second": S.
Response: {"hour": 3, "minute": 58, "second": 44}
